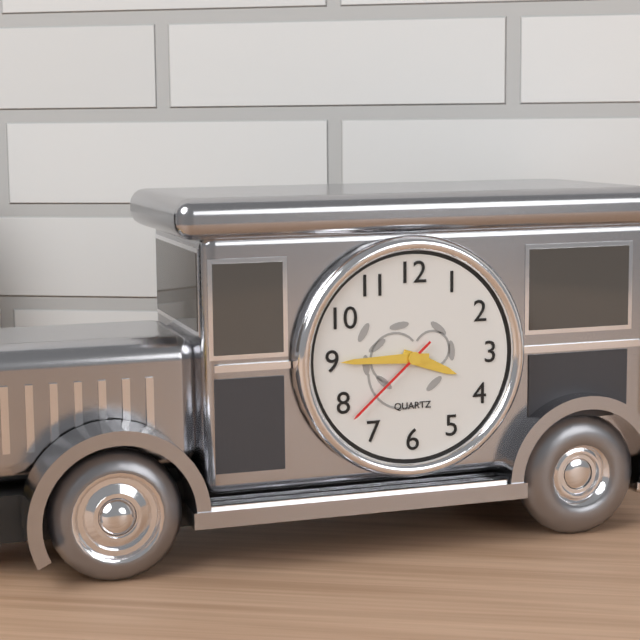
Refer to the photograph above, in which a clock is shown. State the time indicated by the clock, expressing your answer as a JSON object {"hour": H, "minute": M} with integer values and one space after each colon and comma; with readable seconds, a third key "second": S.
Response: {"hour": 3, "minute": 45, "second": 38}
